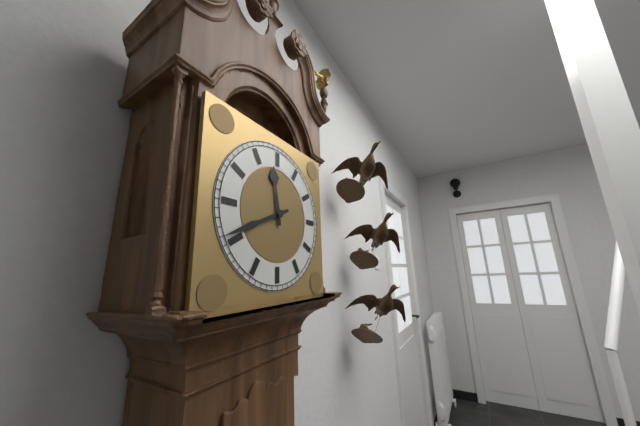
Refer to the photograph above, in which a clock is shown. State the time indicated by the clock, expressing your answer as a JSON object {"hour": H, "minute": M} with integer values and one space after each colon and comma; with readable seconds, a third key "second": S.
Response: {"hour": 11, "minute": 41}
